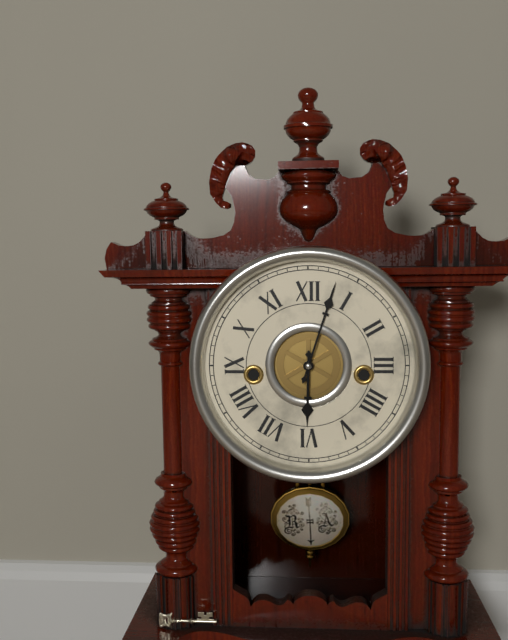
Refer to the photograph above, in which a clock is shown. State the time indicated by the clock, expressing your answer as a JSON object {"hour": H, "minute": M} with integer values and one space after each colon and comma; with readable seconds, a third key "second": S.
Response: {"hour": 6, "minute": 3}
